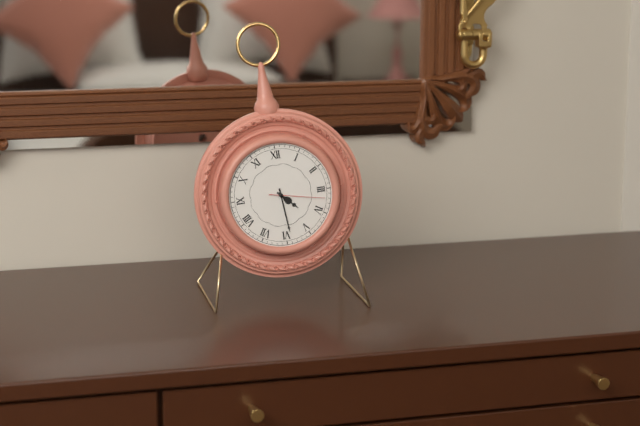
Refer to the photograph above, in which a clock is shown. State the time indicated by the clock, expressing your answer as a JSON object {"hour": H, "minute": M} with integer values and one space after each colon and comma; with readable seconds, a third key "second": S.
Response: {"hour": 4, "minute": 29, "second": 17}
